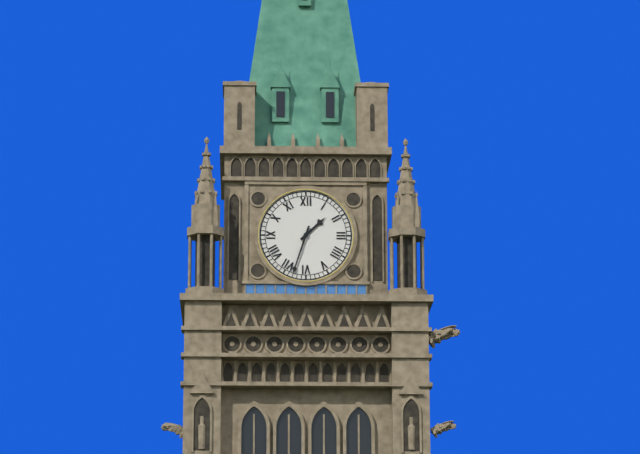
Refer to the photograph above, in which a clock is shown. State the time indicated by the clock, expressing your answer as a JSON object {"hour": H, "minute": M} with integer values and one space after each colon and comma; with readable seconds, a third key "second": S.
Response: {"hour": 1, "minute": 33}
